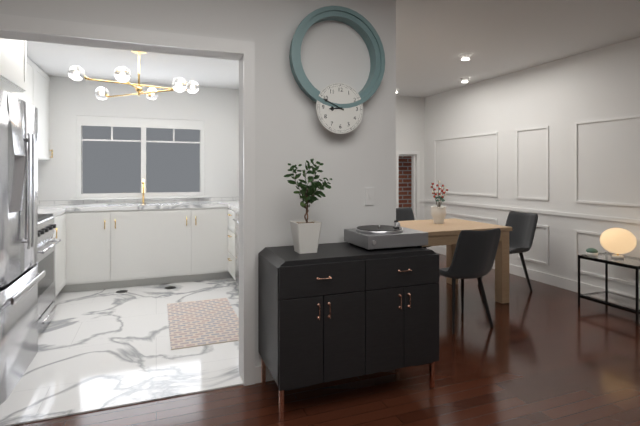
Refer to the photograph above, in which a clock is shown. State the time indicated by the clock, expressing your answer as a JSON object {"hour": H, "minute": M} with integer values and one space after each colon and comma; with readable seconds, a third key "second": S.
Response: {"hour": 8, "minute": 49}
